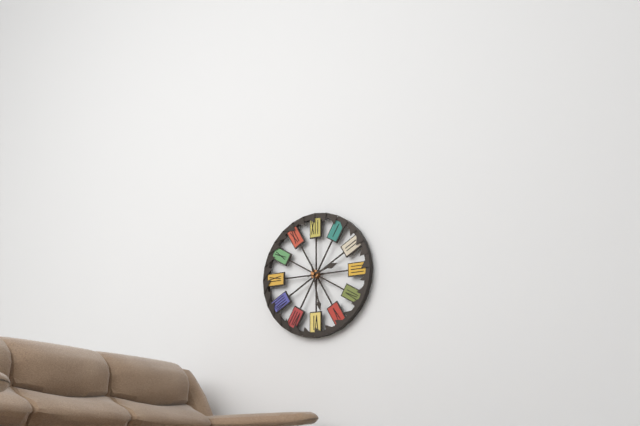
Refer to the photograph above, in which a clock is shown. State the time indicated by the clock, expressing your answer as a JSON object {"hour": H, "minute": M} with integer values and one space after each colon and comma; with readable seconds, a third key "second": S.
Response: {"hour": 2, "minute": 28}
